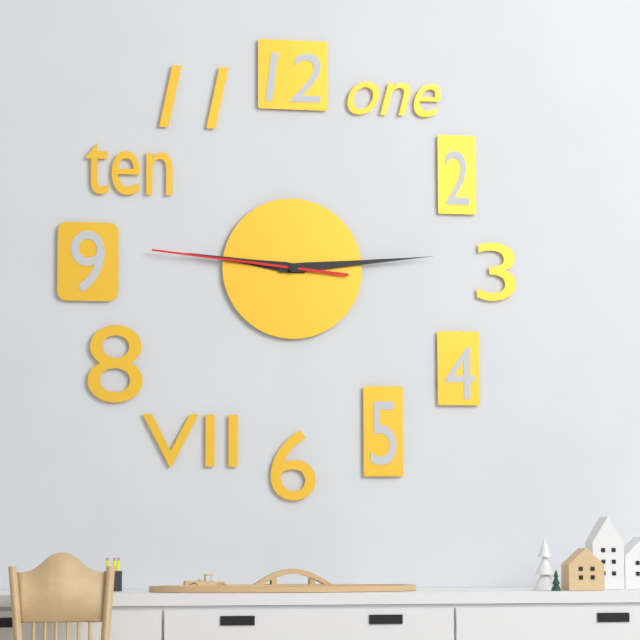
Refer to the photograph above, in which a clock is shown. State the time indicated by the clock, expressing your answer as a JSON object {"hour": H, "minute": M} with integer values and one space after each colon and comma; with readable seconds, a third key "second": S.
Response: {"hour": 9, "minute": 14, "second": 46}
